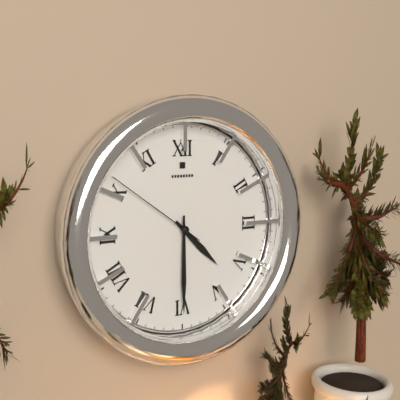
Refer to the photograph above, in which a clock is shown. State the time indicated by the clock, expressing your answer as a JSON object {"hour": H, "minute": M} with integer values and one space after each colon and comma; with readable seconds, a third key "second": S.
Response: {"hour": 4, "minute": 30, "second": 51}
